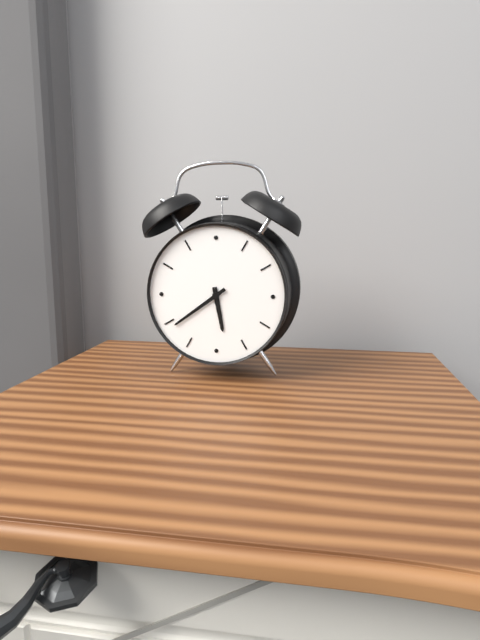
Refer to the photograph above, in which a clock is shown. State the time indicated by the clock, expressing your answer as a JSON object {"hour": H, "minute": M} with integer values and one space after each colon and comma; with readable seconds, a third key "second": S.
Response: {"hour": 5, "minute": 39}
